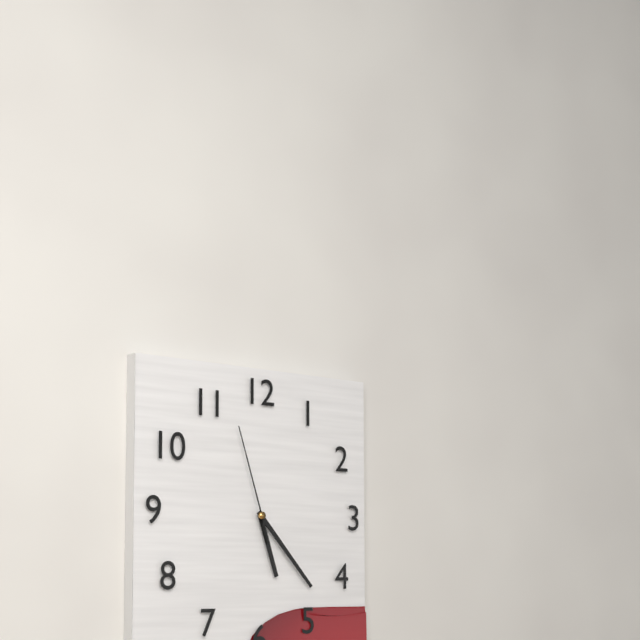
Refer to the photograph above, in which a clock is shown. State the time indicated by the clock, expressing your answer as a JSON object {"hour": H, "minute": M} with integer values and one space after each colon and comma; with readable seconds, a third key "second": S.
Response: {"hour": 5, "minute": 23, "second": 57}
